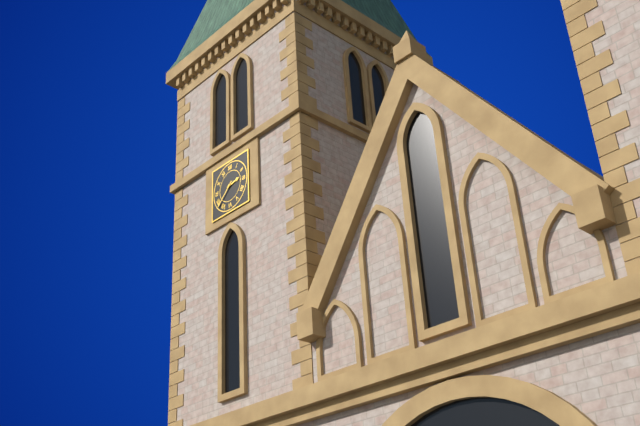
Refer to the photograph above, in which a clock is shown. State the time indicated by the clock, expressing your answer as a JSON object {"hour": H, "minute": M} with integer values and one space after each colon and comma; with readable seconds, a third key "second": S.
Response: {"hour": 2, "minute": 38}
